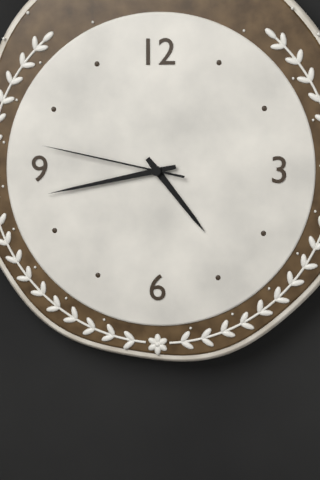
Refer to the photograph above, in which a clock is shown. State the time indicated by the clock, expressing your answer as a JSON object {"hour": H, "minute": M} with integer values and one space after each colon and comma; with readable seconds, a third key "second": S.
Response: {"hour": 4, "minute": 43, "second": 47}
